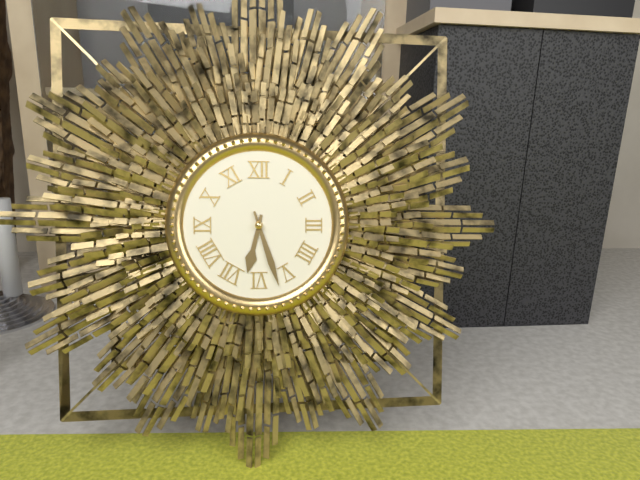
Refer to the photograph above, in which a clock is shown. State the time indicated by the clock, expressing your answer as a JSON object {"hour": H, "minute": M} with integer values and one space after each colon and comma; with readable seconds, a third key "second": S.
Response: {"hour": 6, "minute": 27}
